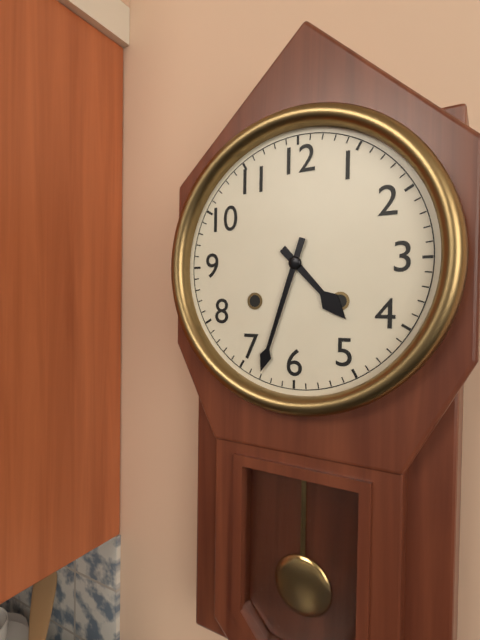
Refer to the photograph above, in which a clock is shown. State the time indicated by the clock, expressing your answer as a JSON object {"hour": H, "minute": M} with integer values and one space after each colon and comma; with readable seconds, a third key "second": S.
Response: {"hour": 4, "minute": 33}
